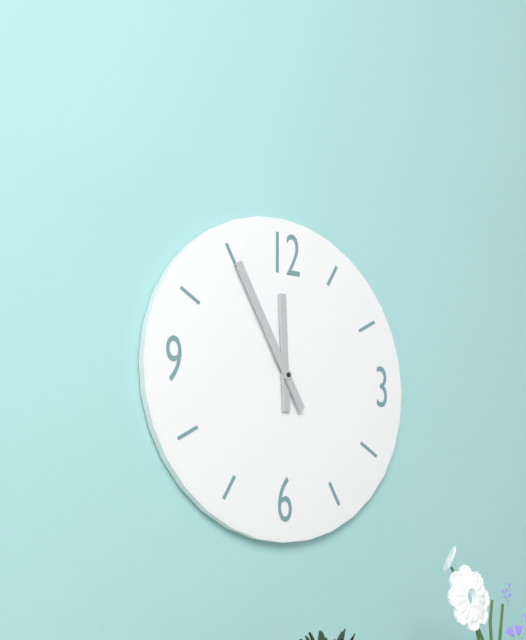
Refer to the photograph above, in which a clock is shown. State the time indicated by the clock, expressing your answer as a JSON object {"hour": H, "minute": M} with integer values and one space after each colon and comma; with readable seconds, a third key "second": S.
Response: {"hour": 11, "minute": 55}
